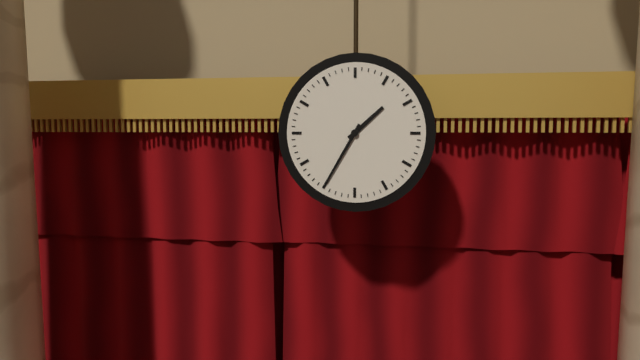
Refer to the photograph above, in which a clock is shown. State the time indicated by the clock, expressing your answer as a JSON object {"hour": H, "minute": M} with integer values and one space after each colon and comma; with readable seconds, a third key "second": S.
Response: {"hour": 1, "minute": 35}
